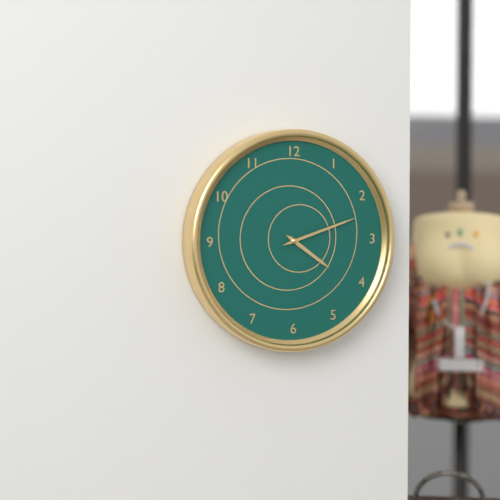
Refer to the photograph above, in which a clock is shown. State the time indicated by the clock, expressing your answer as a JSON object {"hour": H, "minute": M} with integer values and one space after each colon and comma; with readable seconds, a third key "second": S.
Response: {"hour": 4, "minute": 12}
